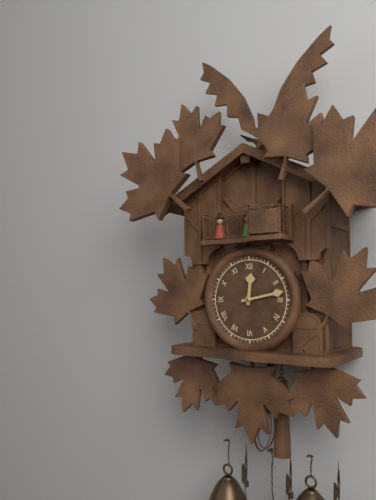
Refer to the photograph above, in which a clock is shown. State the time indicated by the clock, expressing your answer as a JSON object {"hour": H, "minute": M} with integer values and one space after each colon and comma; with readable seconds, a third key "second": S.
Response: {"hour": 12, "minute": 13}
